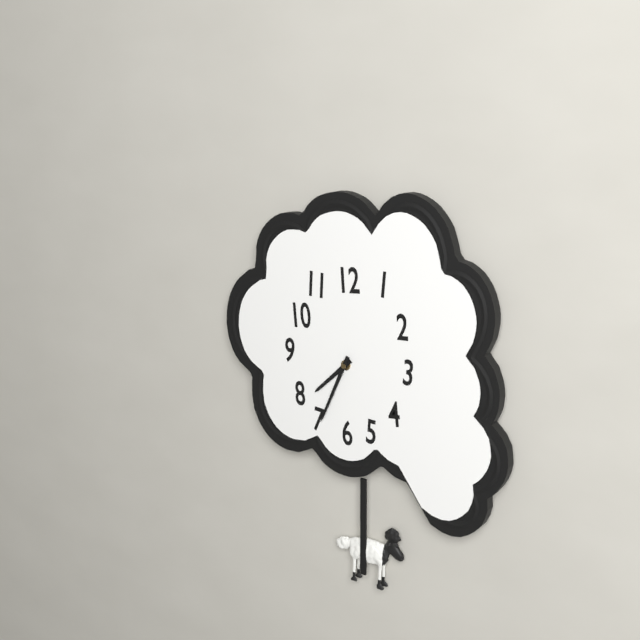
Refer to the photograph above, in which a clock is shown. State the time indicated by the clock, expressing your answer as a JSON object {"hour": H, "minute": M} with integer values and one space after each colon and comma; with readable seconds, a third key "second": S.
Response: {"hour": 7, "minute": 34}
